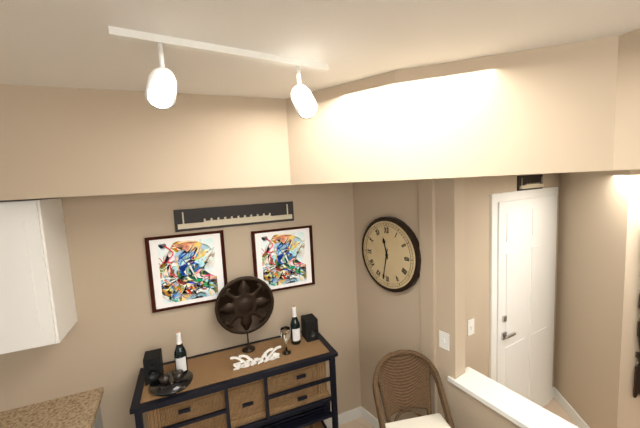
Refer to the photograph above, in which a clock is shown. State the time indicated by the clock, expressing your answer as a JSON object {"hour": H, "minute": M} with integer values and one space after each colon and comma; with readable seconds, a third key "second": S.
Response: {"hour": 11, "minute": 32}
